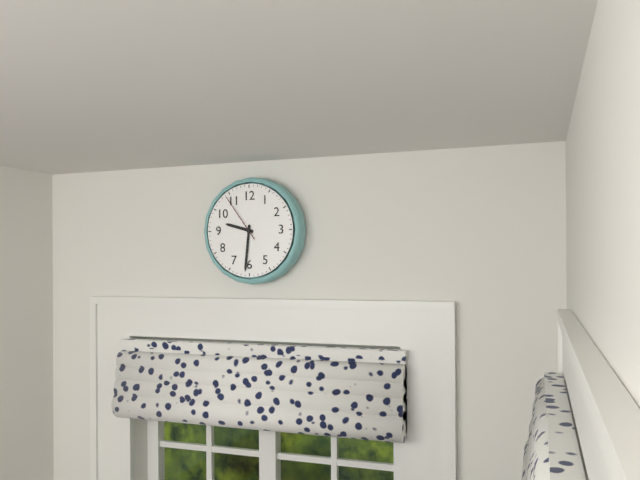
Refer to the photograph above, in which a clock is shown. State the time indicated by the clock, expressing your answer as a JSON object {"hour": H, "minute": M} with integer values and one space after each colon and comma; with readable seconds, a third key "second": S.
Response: {"hour": 9, "minute": 31, "second": 54}
